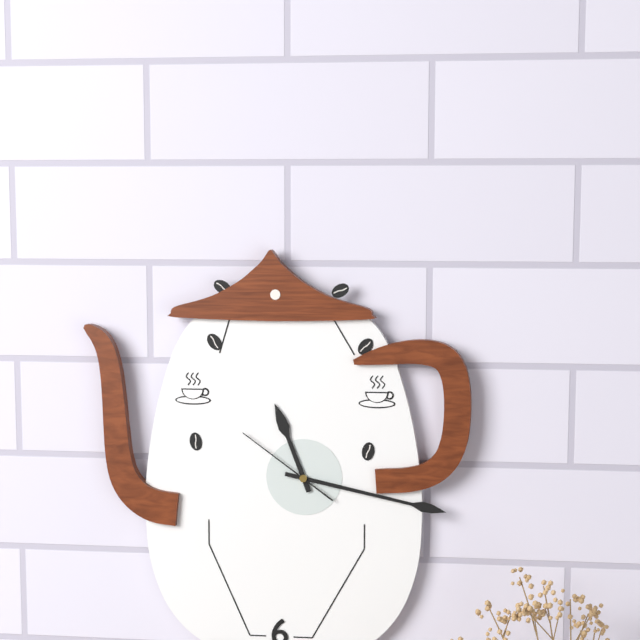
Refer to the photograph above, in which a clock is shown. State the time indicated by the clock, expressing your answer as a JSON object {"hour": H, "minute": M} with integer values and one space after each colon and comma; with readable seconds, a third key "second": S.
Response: {"hour": 11, "minute": 17, "second": 51}
